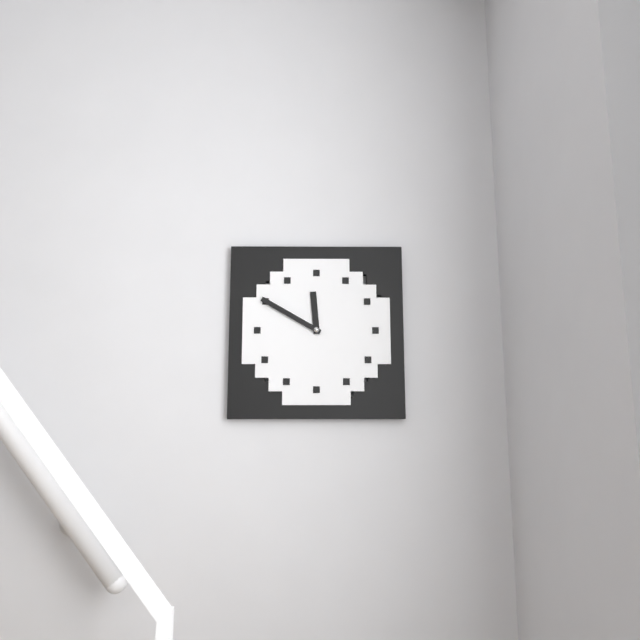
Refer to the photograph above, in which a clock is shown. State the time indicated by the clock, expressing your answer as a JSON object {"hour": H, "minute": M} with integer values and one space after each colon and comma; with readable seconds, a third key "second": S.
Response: {"hour": 11, "minute": 50}
